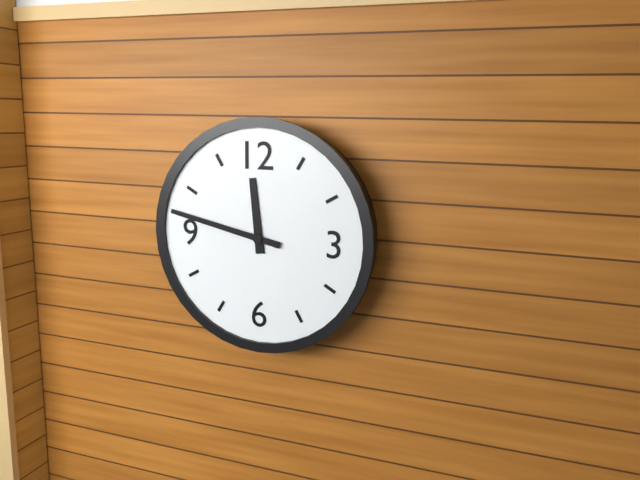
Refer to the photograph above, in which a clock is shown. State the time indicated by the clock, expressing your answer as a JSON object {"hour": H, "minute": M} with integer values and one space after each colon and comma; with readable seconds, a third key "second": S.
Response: {"hour": 11, "minute": 47}
